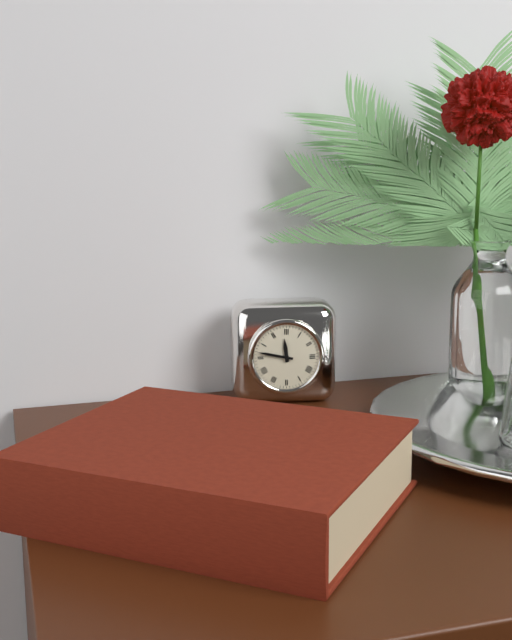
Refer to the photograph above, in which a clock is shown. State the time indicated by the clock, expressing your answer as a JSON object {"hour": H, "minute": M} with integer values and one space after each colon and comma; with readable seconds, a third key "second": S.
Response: {"hour": 11, "minute": 47}
